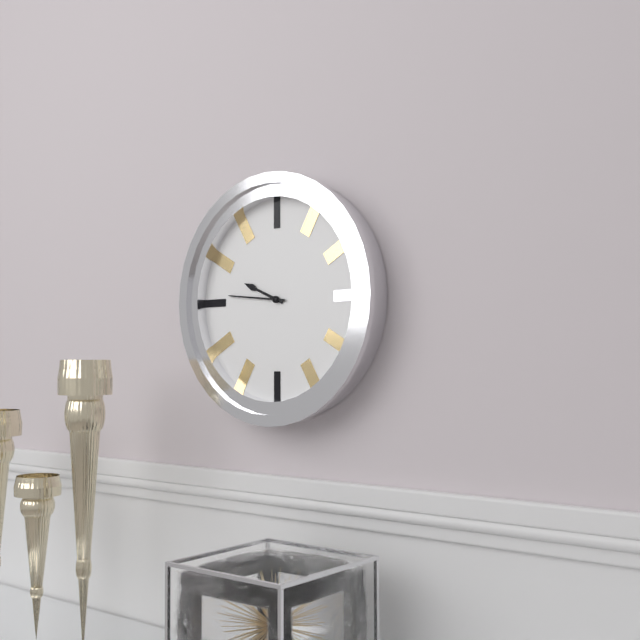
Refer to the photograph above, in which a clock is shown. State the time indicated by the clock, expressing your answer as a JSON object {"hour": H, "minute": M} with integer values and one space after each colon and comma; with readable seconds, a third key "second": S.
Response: {"hour": 9, "minute": 46}
